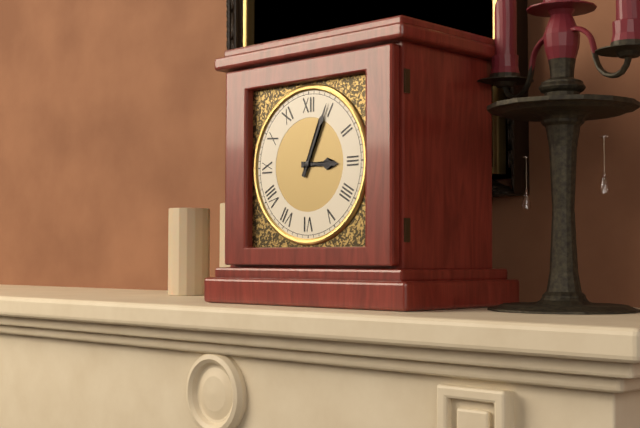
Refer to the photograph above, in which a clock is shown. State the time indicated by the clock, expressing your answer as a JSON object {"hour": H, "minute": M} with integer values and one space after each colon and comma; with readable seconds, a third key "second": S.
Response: {"hour": 3, "minute": 4}
